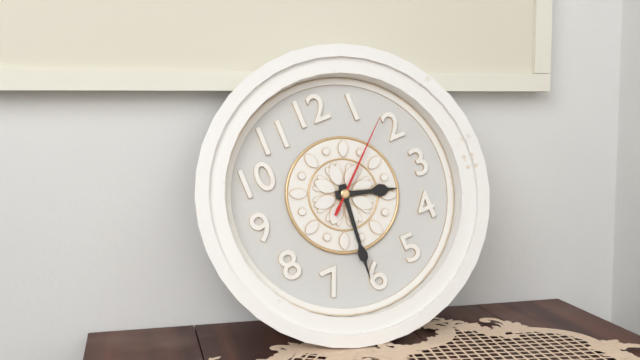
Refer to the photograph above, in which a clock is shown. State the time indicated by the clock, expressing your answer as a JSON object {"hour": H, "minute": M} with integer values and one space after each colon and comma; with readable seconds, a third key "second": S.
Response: {"hour": 3, "minute": 31, "second": 8}
